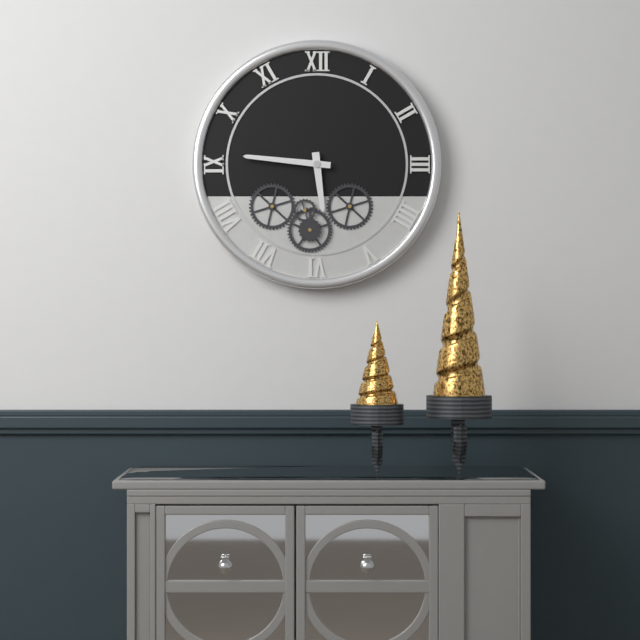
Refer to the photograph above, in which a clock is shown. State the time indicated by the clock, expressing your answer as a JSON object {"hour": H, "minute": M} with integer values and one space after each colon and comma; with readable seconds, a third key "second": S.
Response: {"hour": 5, "minute": 46}
